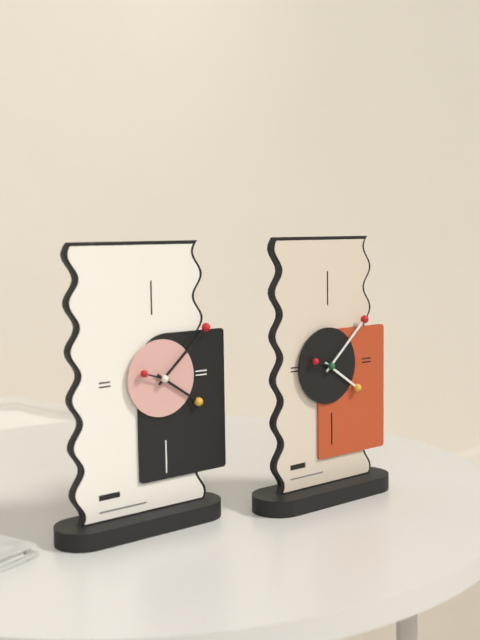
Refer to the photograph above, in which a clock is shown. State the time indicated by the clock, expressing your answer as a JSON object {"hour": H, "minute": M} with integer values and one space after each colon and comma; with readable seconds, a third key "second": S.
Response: {"hour": 4, "minute": 8}
